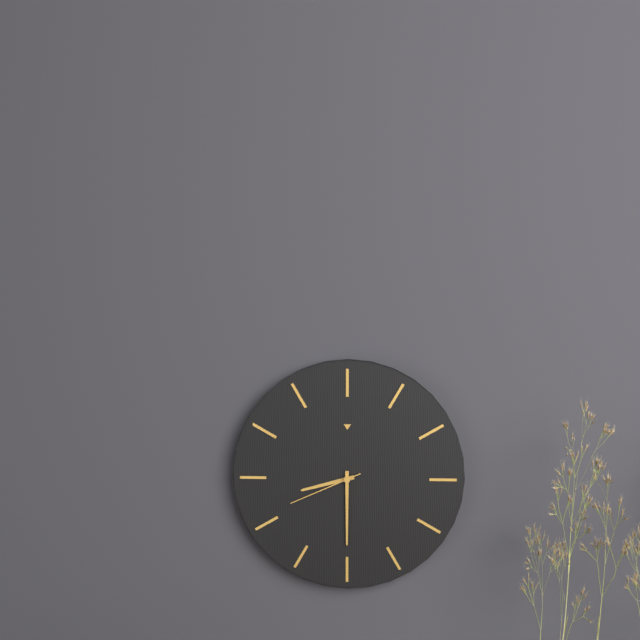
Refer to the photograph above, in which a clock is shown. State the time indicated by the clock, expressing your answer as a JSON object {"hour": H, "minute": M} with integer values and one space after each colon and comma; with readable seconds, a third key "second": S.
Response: {"hour": 8, "minute": 30, "second": 41}
